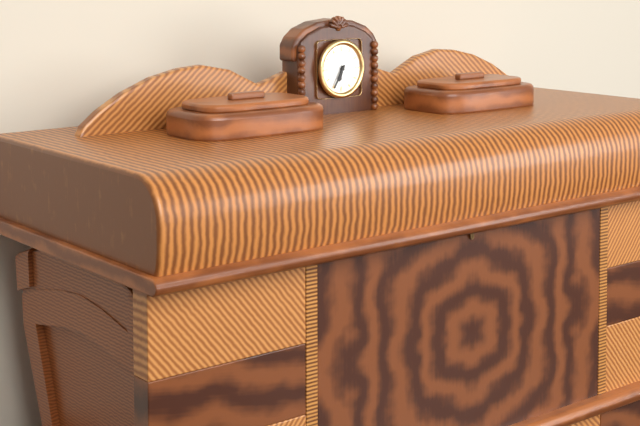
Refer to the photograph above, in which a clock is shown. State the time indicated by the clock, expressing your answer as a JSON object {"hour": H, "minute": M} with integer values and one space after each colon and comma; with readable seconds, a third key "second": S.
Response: {"hour": 6, "minute": 35}
